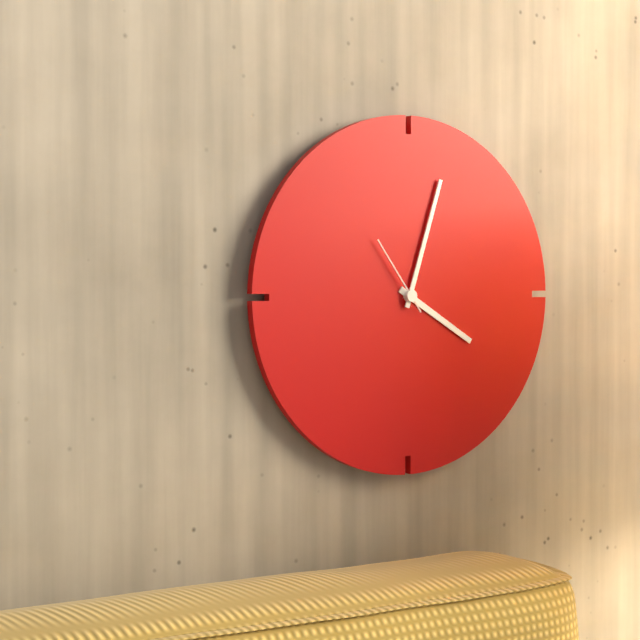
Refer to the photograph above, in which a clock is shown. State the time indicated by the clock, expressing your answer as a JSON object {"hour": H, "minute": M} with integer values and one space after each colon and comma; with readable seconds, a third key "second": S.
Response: {"hour": 4, "minute": 3, "second": 54}
